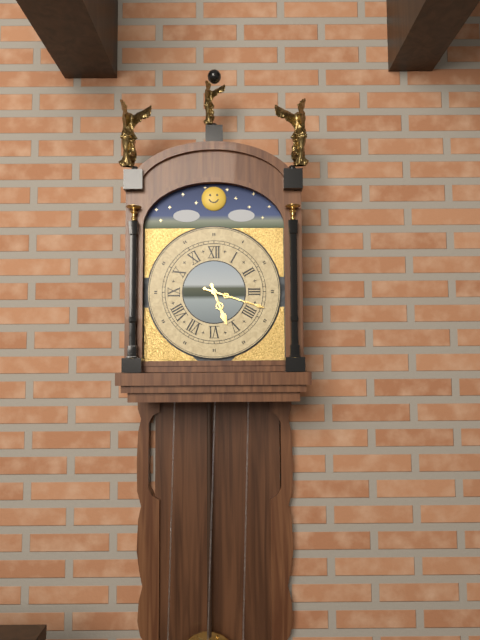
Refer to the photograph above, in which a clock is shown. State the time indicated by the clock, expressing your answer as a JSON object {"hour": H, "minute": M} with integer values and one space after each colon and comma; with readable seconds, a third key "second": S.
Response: {"hour": 5, "minute": 18}
